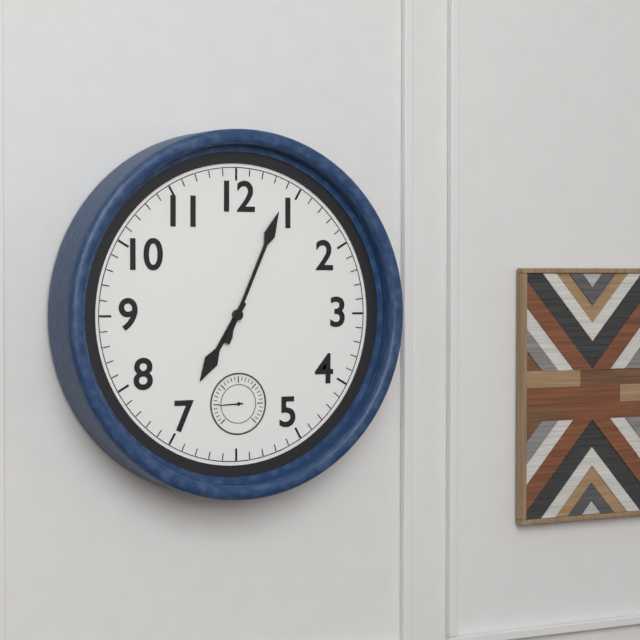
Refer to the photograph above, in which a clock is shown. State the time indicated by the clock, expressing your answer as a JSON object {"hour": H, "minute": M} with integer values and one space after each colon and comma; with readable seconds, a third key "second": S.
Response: {"hour": 7, "minute": 4}
